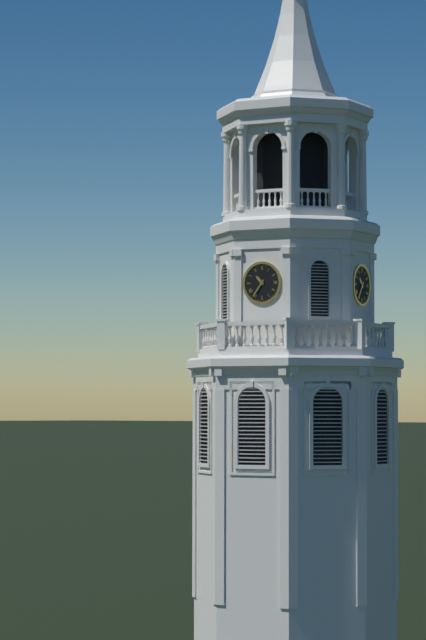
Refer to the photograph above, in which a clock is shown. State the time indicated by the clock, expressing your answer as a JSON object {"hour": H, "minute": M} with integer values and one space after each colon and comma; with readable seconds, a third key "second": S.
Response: {"hour": 10, "minute": 36}
